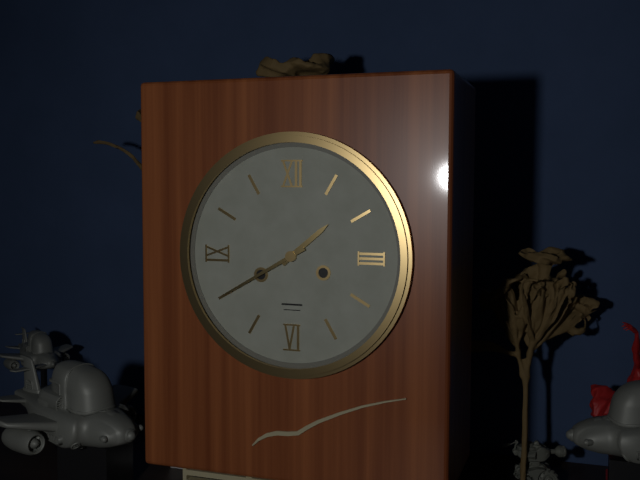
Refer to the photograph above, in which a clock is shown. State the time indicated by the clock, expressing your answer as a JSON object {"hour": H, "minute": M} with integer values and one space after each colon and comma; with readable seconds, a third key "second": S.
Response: {"hour": 1, "minute": 40}
